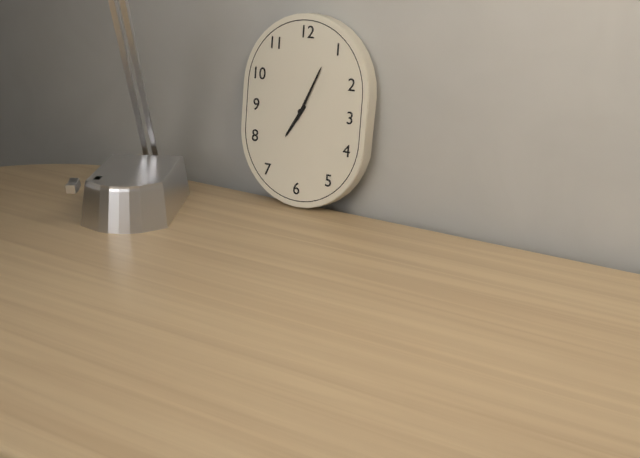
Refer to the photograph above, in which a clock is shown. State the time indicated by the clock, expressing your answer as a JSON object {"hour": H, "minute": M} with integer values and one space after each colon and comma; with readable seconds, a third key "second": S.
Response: {"hour": 7, "minute": 4}
